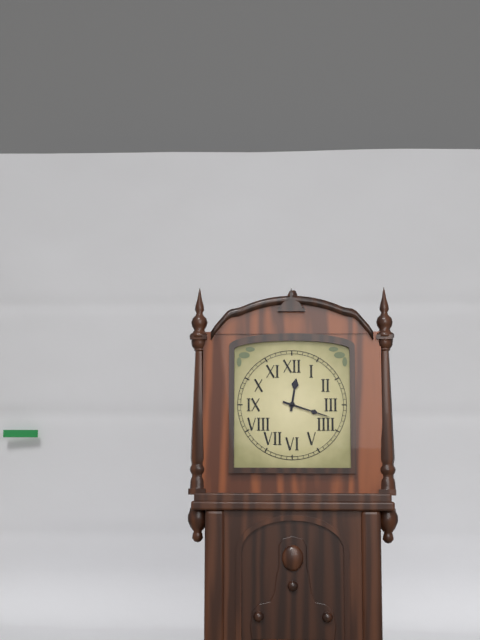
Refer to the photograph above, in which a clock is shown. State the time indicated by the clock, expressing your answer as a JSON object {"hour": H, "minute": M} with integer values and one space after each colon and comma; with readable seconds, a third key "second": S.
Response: {"hour": 12, "minute": 18}
